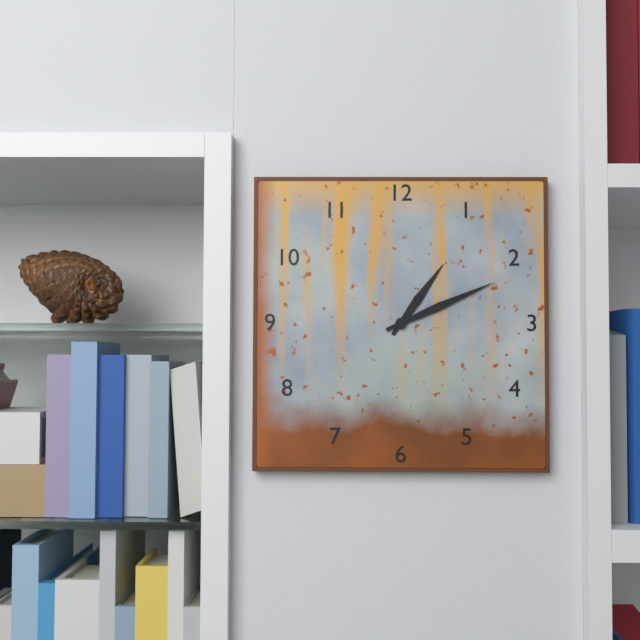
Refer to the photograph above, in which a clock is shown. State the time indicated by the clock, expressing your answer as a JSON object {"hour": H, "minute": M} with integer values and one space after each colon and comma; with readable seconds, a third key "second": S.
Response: {"hour": 1, "minute": 11}
